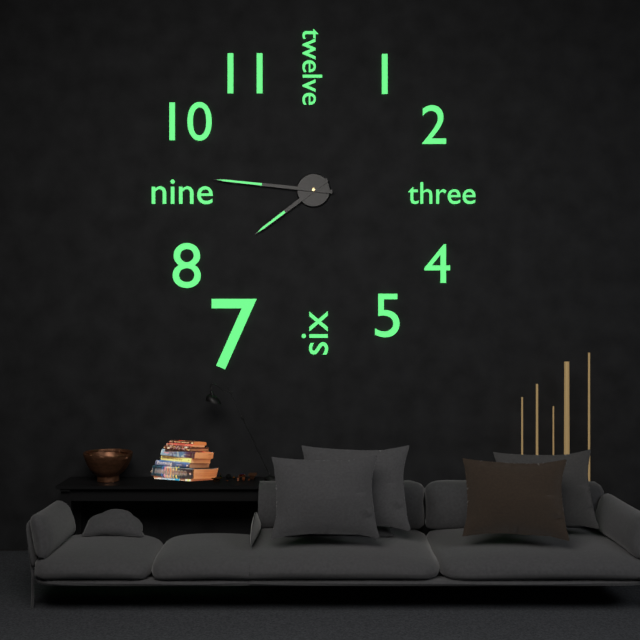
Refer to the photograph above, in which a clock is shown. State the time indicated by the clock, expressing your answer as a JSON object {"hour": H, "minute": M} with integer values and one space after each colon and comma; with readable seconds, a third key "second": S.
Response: {"hour": 7, "minute": 46}
